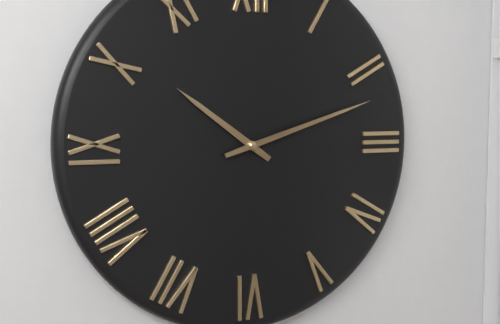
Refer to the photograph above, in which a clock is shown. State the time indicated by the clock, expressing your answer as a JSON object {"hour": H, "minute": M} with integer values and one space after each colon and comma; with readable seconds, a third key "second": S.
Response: {"hour": 10, "minute": 12}
